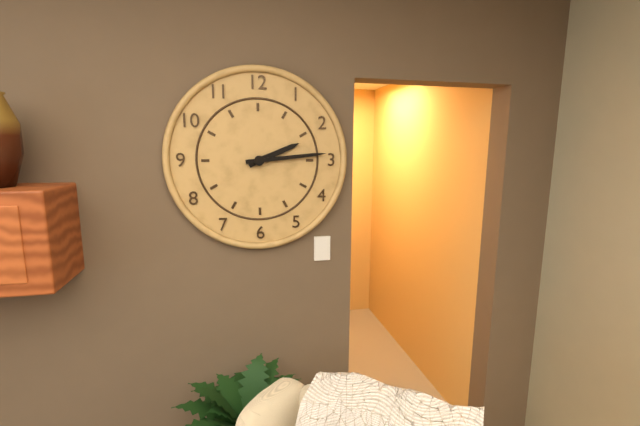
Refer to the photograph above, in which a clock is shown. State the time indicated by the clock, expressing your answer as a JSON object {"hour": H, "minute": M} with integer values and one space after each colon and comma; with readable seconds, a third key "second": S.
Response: {"hour": 2, "minute": 14}
